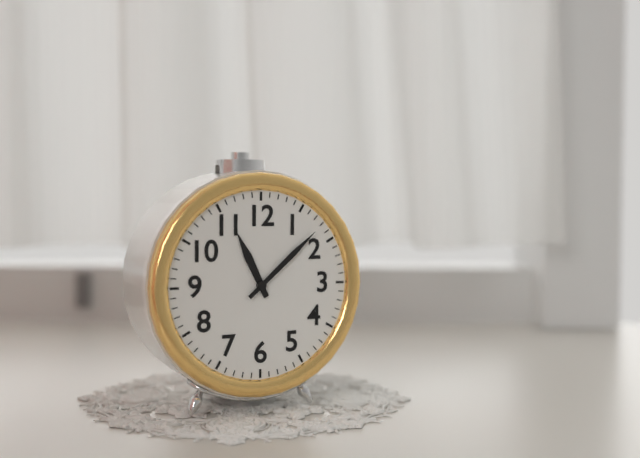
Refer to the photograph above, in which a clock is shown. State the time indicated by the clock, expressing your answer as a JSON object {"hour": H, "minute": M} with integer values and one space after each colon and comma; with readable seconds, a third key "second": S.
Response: {"hour": 11, "minute": 8}
